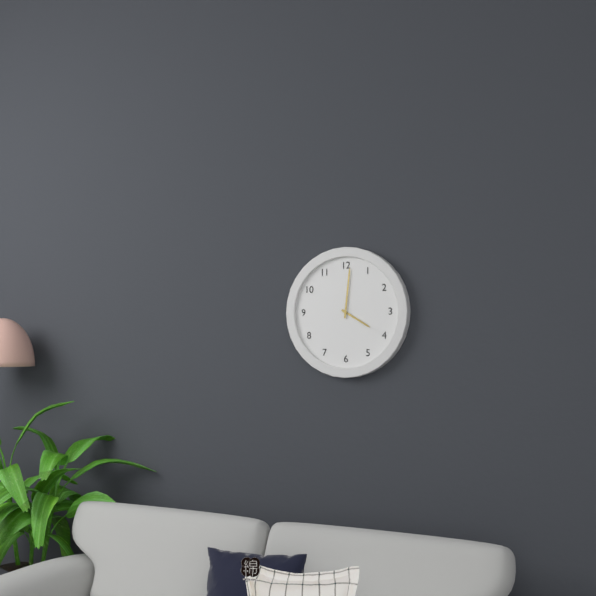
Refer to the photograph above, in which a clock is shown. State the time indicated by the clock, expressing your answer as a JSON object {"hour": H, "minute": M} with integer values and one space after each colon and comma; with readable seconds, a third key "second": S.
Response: {"hour": 4, "minute": 1}
